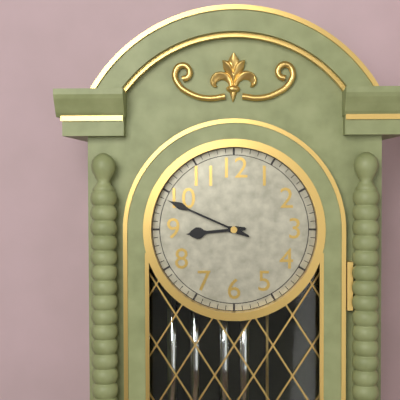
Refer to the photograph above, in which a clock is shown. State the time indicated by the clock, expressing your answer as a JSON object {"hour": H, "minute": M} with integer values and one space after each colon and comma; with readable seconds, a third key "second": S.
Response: {"hour": 8, "minute": 49}
